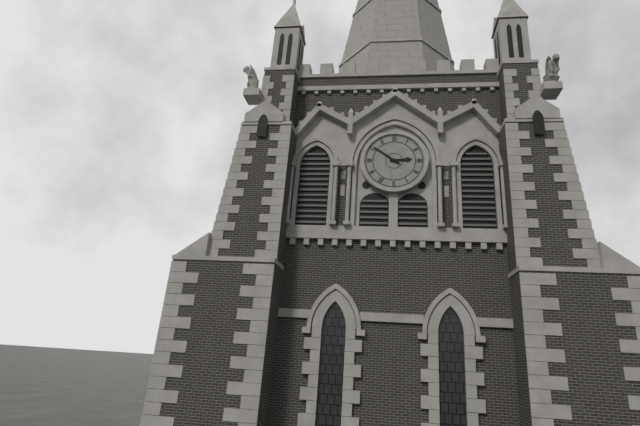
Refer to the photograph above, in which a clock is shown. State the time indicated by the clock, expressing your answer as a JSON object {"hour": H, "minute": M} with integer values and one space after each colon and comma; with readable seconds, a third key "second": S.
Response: {"hour": 2, "minute": 51}
